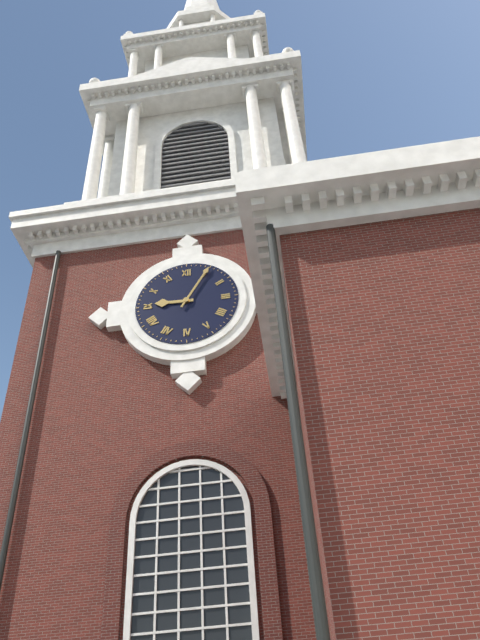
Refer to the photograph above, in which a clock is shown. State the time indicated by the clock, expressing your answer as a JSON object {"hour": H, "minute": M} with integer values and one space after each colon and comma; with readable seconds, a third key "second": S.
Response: {"hour": 9, "minute": 5}
